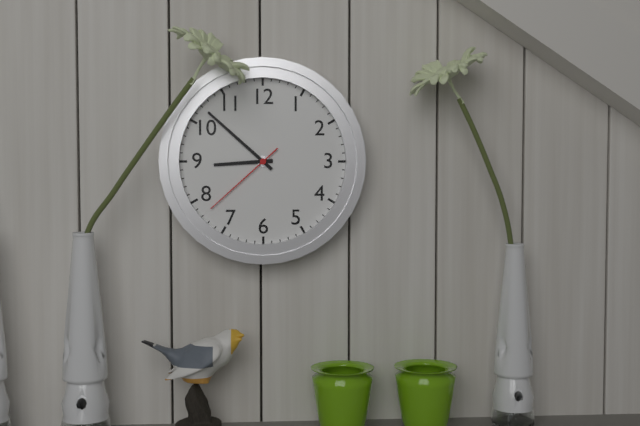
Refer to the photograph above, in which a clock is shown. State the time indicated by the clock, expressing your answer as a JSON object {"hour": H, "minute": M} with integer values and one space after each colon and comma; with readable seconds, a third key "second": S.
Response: {"hour": 8, "minute": 52, "second": 38}
